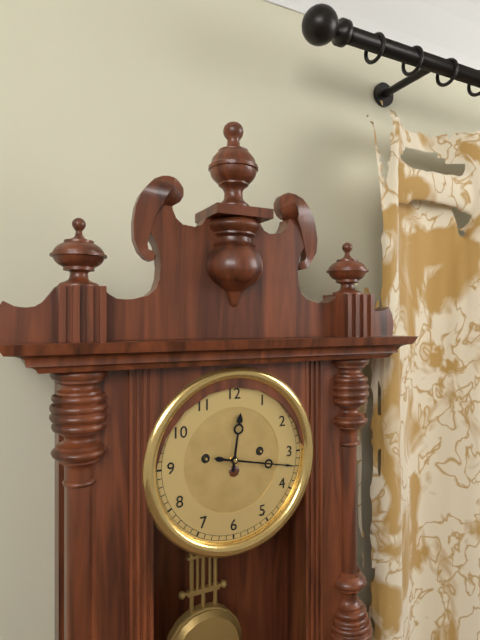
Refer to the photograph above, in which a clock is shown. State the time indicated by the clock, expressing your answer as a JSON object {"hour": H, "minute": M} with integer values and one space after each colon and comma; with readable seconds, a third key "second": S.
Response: {"hour": 12, "minute": 17}
